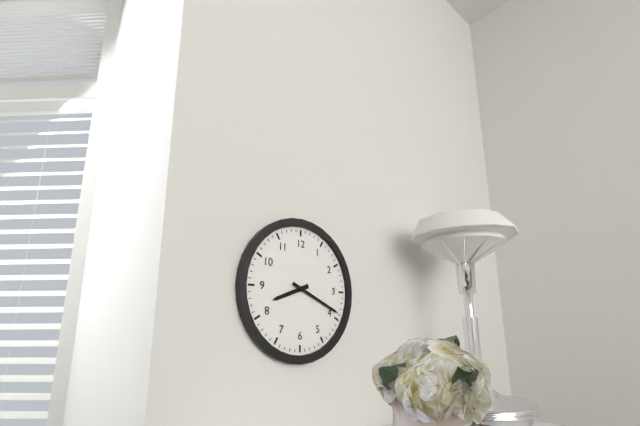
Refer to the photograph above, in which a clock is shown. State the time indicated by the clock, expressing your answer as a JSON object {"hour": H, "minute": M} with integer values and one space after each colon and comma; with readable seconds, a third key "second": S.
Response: {"hour": 8, "minute": 19}
